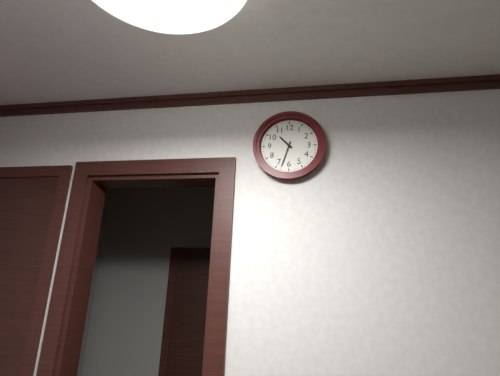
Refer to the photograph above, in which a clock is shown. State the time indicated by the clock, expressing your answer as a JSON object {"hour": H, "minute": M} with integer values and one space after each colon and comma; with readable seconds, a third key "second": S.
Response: {"hour": 10, "minute": 33}
